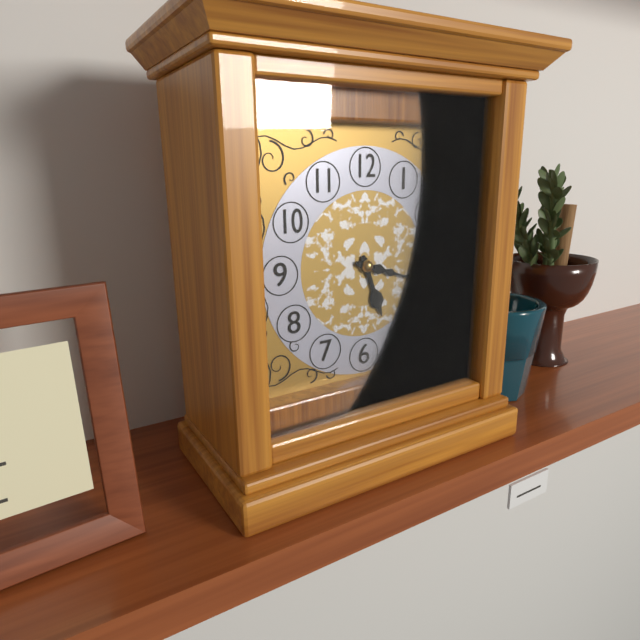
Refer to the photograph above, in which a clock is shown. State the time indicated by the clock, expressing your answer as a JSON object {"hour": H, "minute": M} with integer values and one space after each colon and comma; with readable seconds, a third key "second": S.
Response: {"hour": 5, "minute": 18}
